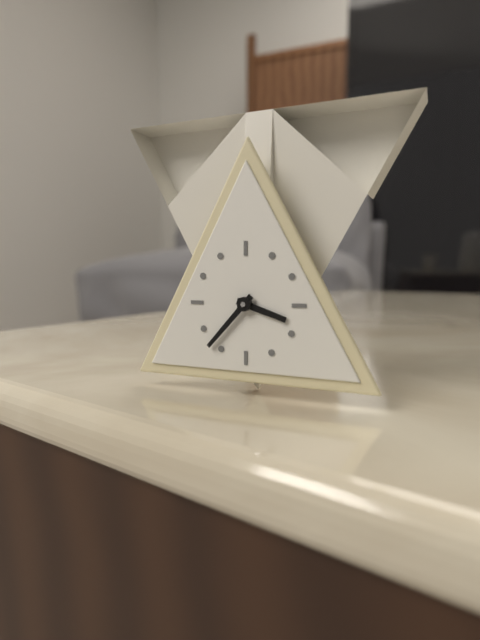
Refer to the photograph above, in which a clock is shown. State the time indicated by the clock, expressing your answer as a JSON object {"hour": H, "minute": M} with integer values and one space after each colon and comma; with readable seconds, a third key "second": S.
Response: {"hour": 3, "minute": 37}
